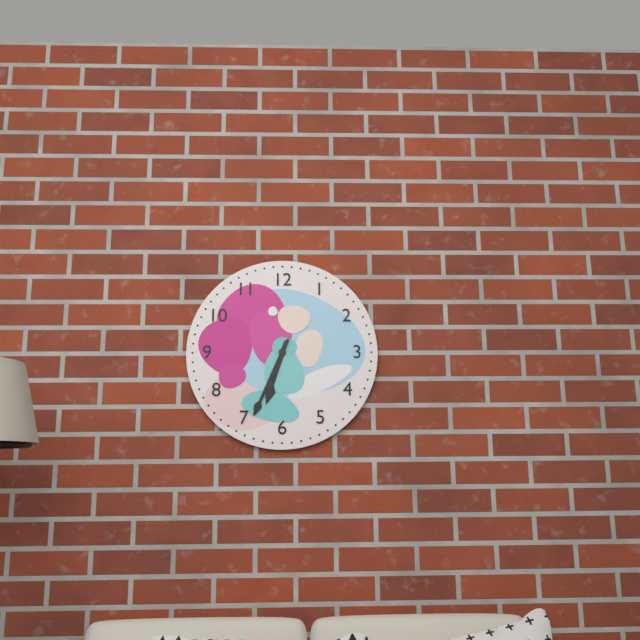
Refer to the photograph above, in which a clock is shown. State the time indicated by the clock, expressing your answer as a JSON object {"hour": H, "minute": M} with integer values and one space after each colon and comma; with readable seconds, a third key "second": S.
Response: {"hour": 6, "minute": 34}
